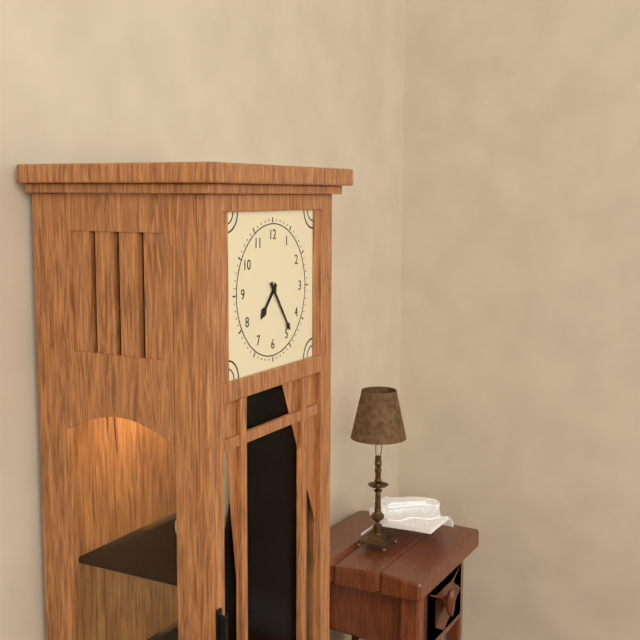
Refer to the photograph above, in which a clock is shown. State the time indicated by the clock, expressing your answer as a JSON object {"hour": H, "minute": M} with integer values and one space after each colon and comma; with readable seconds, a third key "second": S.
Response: {"hour": 7, "minute": 24}
